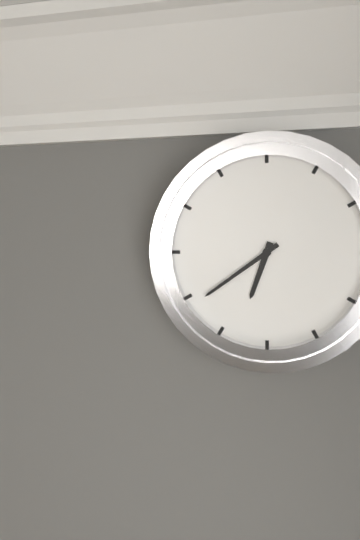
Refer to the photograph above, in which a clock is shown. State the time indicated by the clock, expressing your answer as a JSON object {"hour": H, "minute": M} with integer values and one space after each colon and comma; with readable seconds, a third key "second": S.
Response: {"hour": 6, "minute": 39}
